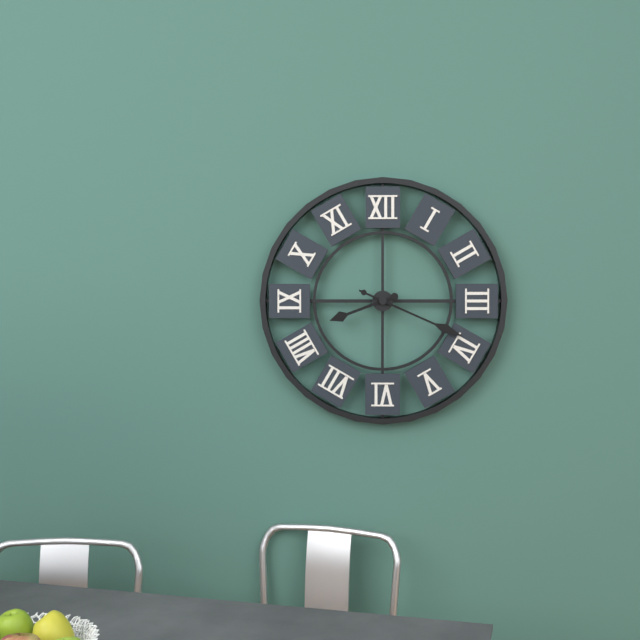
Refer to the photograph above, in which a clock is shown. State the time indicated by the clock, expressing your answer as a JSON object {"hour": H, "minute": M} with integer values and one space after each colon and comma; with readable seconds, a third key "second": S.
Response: {"hour": 8, "minute": 19}
